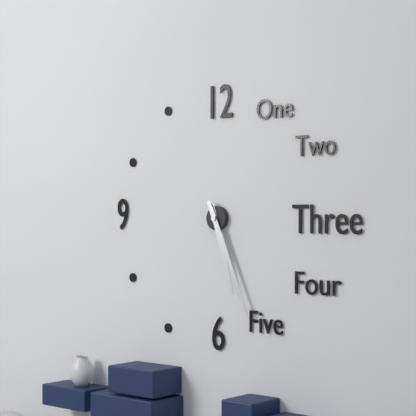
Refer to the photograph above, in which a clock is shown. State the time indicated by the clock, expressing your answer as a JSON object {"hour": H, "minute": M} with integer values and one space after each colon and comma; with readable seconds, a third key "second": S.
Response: {"hour": 5, "minute": 26}
